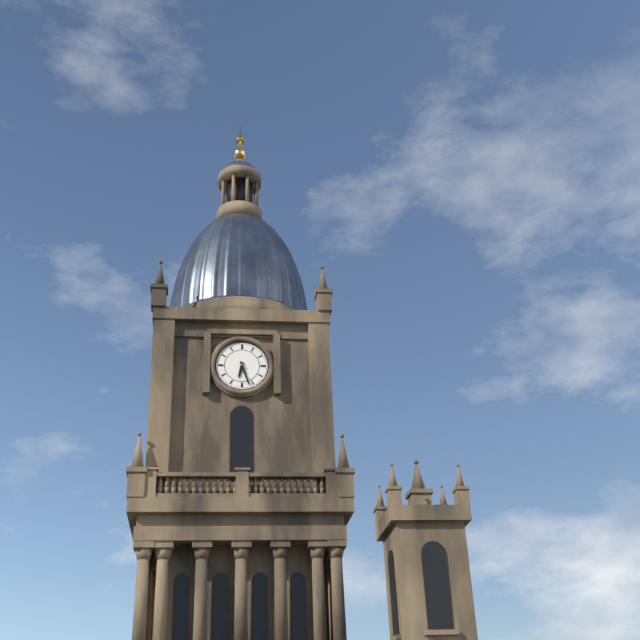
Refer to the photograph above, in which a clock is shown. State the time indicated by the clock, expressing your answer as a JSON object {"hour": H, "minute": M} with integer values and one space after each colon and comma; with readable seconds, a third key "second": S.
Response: {"hour": 6, "minute": 27}
